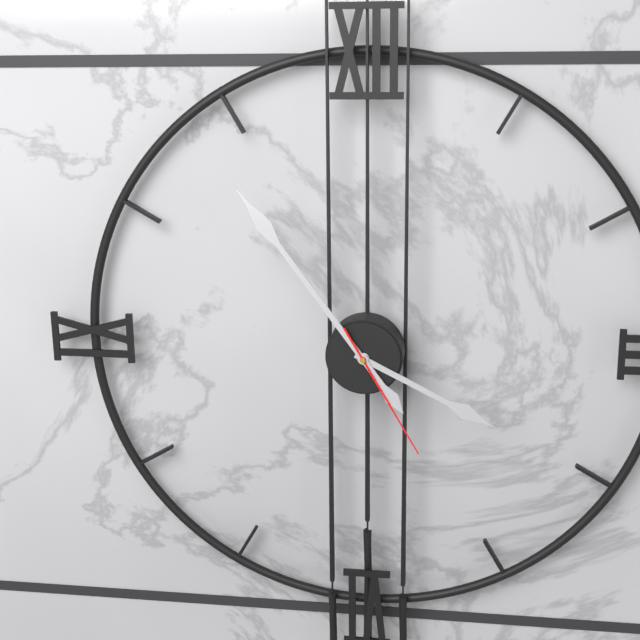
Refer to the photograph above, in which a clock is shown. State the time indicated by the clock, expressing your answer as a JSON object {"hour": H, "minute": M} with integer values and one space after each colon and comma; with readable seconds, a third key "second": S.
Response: {"hour": 3, "minute": 54, "second": 25}
